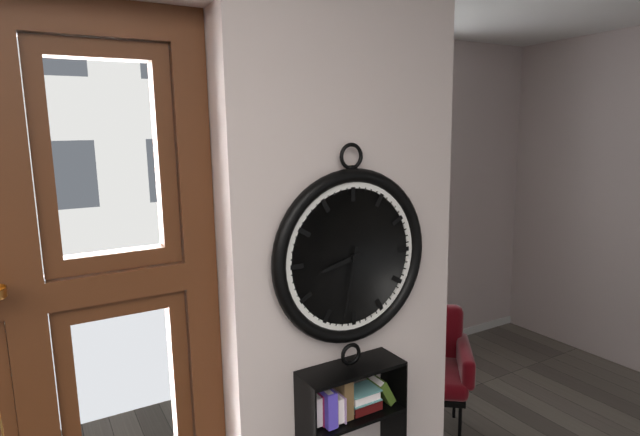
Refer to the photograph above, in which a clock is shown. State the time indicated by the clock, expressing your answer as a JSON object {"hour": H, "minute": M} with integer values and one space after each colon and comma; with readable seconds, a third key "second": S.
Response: {"hour": 8, "minute": 32}
